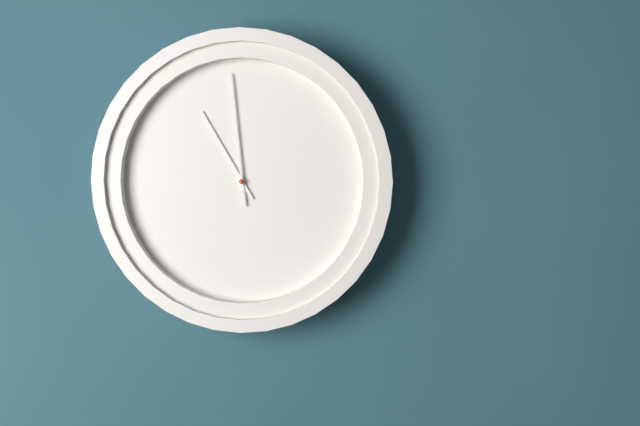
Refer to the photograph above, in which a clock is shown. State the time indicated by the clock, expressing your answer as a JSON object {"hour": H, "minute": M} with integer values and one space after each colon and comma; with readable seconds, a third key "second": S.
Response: {"hour": 10, "minute": 59}
